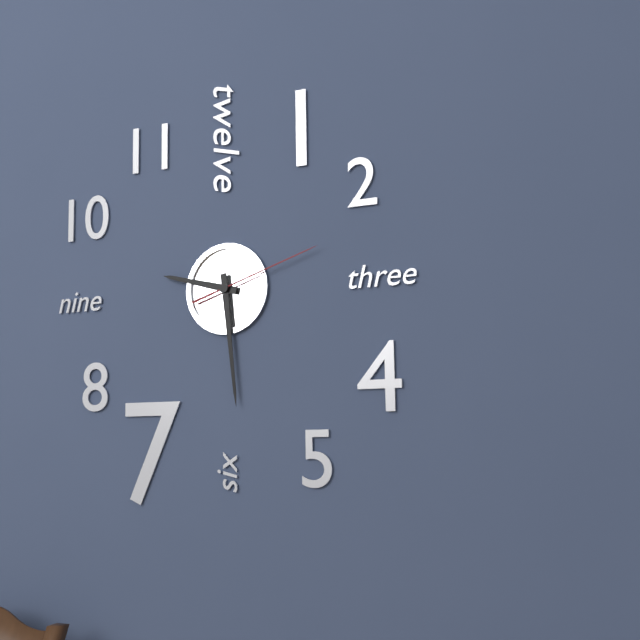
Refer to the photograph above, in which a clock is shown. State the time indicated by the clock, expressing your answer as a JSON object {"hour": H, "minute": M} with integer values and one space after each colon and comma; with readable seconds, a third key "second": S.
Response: {"hour": 9, "minute": 29, "second": 12}
